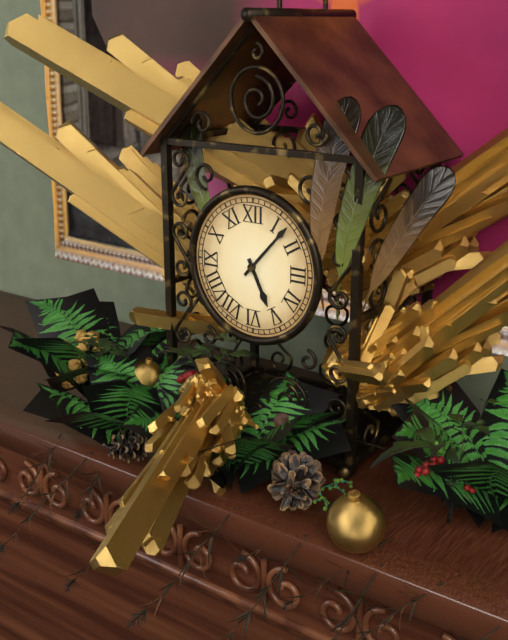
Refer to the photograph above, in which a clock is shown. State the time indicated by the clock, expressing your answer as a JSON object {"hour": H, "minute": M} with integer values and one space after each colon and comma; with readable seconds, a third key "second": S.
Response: {"hour": 5, "minute": 7}
